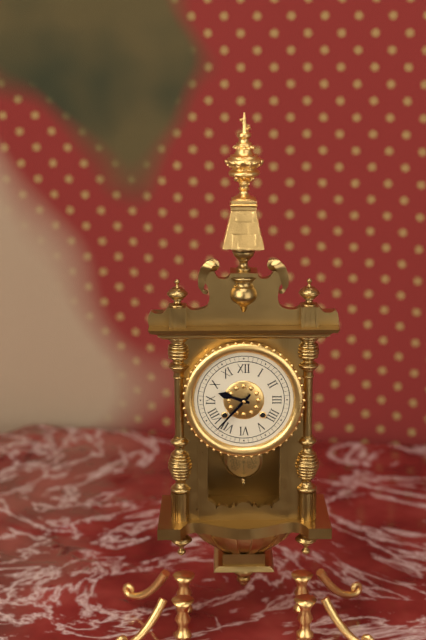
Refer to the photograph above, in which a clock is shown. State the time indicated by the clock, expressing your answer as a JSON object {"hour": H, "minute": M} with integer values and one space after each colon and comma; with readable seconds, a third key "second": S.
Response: {"hour": 9, "minute": 37}
